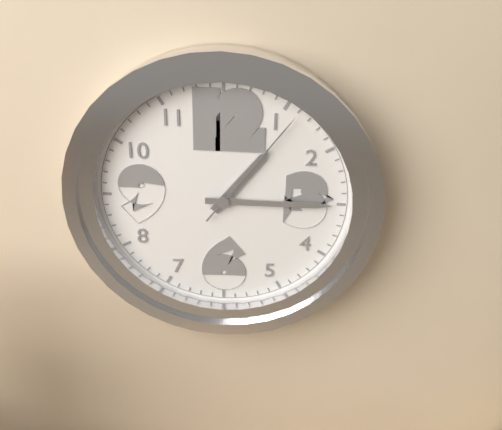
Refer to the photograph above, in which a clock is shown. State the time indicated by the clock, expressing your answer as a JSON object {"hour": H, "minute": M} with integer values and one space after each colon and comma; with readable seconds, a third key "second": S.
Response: {"hour": 1, "minute": 15, "second": 6}
